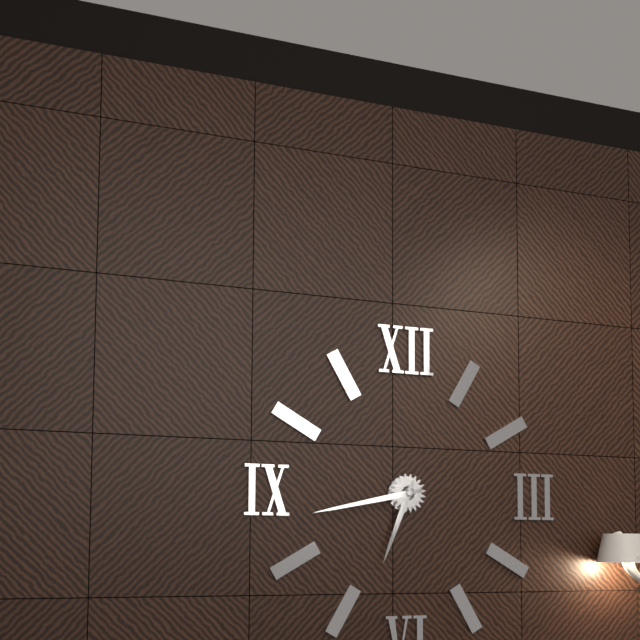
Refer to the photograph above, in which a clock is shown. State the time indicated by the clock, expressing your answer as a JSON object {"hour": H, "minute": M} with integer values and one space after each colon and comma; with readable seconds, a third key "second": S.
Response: {"hour": 6, "minute": 43}
